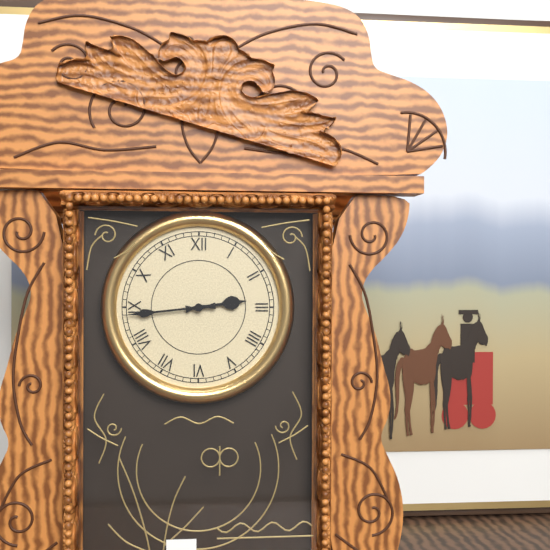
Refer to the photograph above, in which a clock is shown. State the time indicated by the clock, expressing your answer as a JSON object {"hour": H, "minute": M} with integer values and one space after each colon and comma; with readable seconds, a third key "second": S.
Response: {"hour": 2, "minute": 44}
